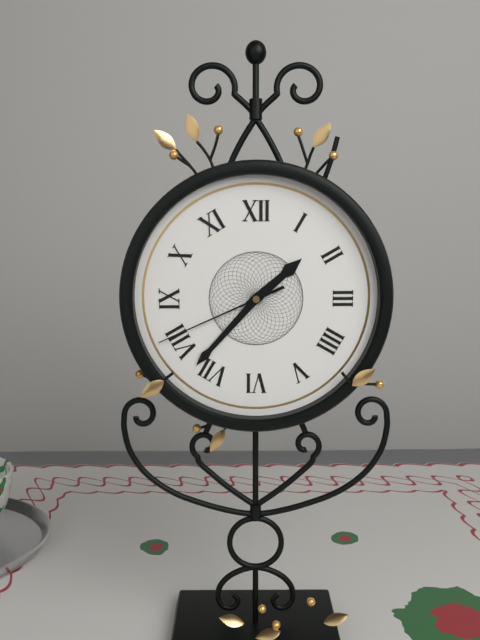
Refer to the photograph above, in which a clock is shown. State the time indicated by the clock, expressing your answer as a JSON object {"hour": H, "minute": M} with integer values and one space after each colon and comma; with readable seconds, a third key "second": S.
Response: {"hour": 1, "minute": 37, "second": 41}
